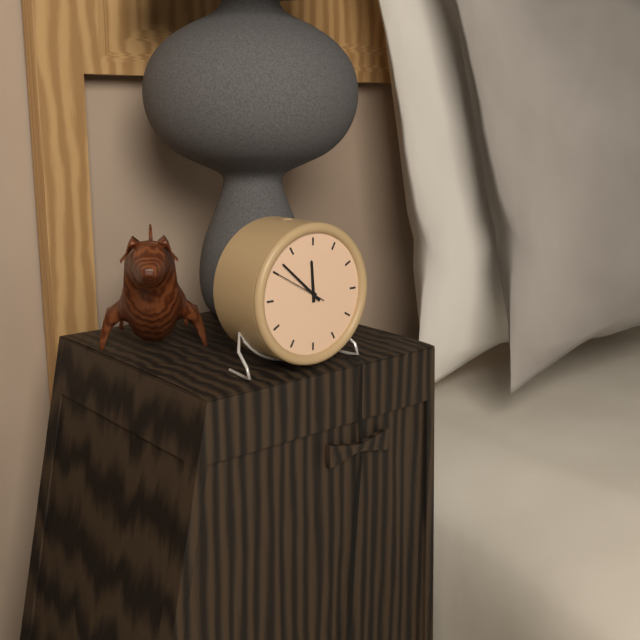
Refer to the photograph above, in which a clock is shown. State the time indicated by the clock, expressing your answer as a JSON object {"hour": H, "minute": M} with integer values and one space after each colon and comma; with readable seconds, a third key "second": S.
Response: {"hour": 11, "minute": 52, "second": 50}
